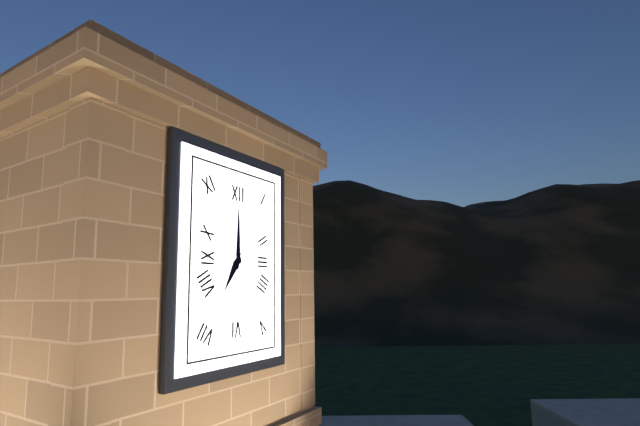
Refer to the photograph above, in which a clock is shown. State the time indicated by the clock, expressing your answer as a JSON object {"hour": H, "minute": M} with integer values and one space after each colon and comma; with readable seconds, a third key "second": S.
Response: {"hour": 7, "minute": 0}
